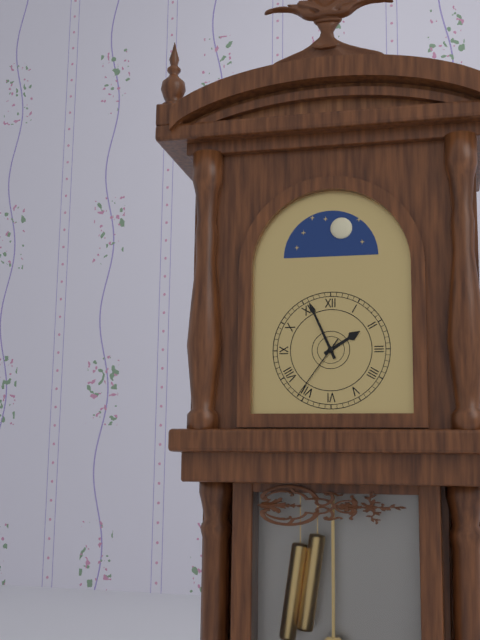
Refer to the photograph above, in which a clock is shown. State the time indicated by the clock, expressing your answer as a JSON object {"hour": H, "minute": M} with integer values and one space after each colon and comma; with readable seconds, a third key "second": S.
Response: {"hour": 1, "minute": 56, "second": 36}
